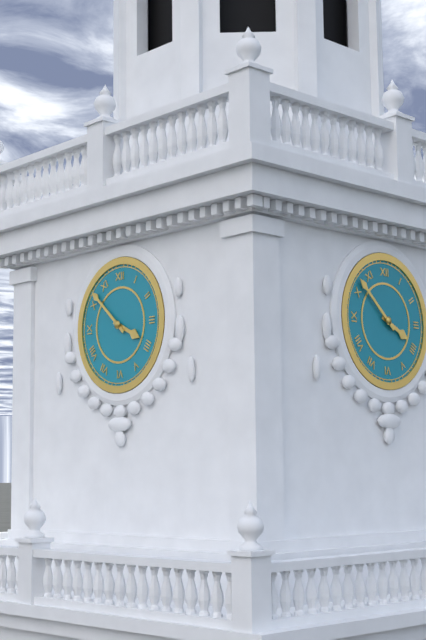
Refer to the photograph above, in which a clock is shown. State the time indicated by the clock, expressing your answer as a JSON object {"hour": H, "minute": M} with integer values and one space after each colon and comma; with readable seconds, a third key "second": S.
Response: {"hour": 3, "minute": 52}
